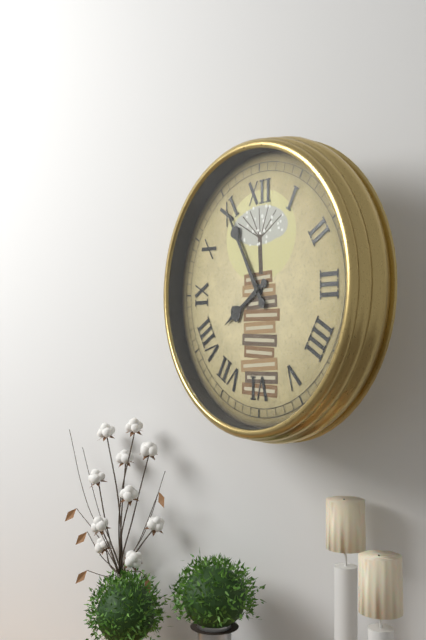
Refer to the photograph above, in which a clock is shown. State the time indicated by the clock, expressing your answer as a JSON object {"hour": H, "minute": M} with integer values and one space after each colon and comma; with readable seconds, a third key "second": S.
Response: {"hour": 7, "minute": 55}
